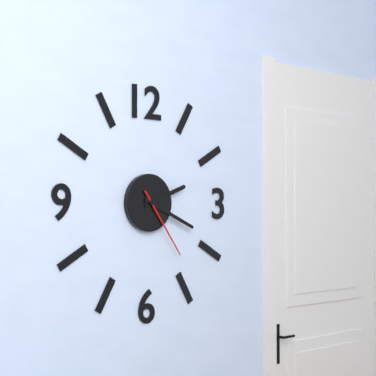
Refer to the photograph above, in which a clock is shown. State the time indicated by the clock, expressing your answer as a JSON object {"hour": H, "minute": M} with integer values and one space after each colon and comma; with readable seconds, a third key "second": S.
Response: {"hour": 2, "minute": 19, "second": 24}
